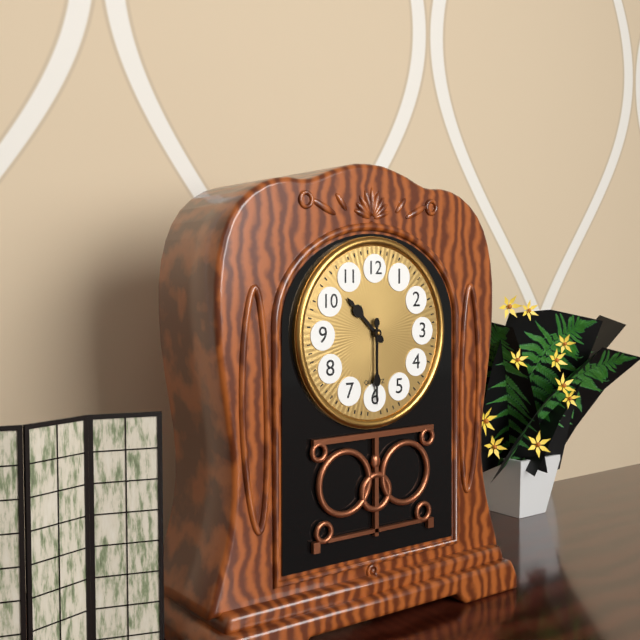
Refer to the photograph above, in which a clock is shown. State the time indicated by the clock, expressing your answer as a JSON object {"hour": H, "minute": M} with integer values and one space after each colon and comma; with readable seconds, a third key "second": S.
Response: {"hour": 10, "minute": 30}
